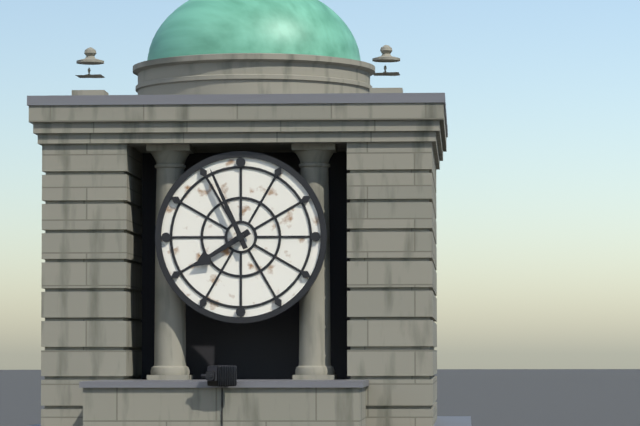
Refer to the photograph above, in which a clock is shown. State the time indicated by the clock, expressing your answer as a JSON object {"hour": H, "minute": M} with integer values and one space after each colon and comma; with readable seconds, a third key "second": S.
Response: {"hour": 7, "minute": 56}
